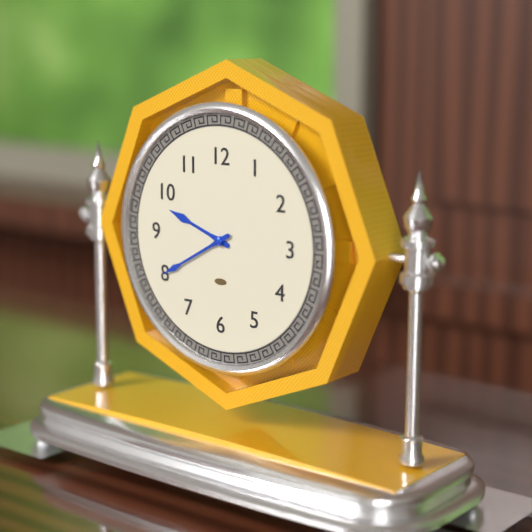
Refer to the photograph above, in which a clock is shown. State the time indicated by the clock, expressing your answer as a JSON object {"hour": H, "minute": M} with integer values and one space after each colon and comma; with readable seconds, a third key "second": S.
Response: {"hour": 9, "minute": 40}
